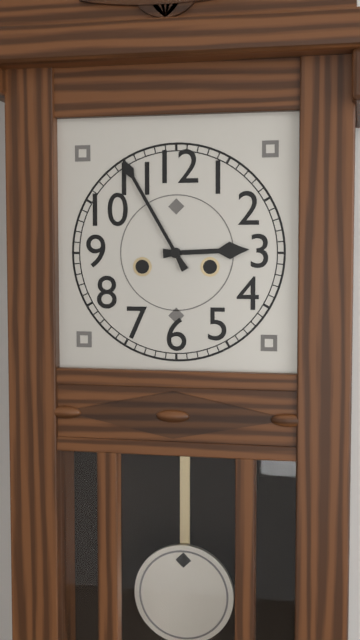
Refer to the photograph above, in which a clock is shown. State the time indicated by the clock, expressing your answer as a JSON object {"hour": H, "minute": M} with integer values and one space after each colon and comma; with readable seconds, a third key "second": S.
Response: {"hour": 2, "minute": 55}
